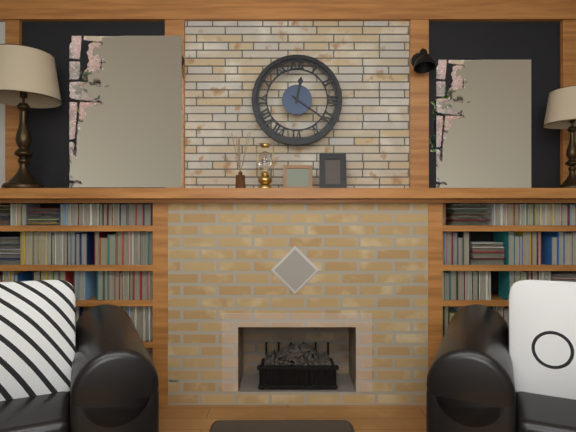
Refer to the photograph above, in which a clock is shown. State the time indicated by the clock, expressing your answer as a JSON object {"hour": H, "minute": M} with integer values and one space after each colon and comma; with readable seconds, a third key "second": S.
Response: {"hour": 12, "minute": 21}
